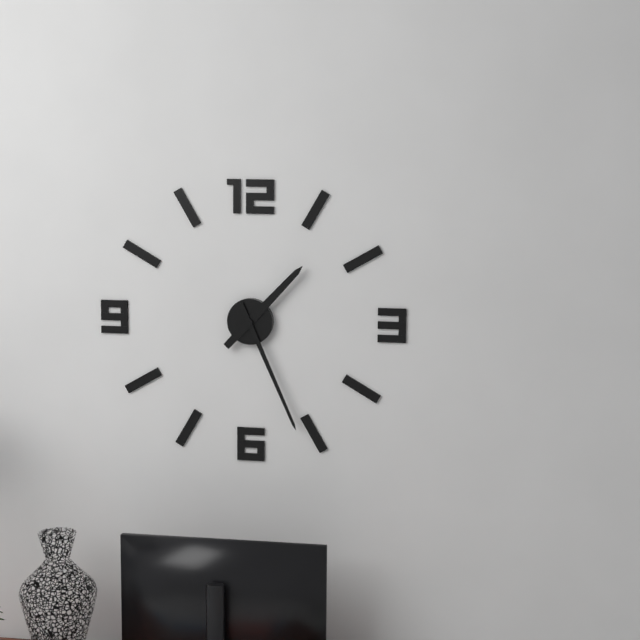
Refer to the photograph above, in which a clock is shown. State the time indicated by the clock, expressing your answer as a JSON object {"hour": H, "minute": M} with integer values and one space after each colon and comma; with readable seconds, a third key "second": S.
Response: {"hour": 1, "minute": 26}
